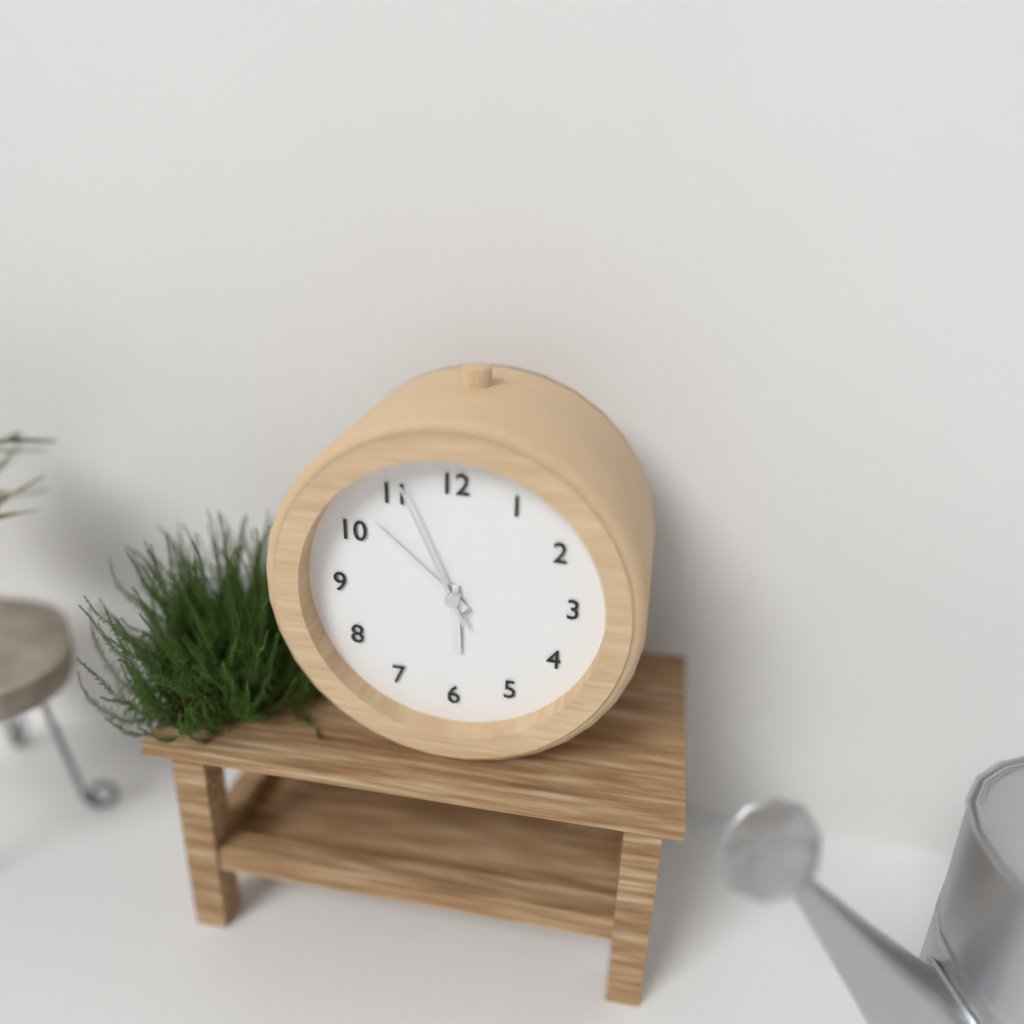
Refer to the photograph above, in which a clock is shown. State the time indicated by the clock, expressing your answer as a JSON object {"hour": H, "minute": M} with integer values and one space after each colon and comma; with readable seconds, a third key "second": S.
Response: {"hour": 5, "minute": 52, "second": 56}
